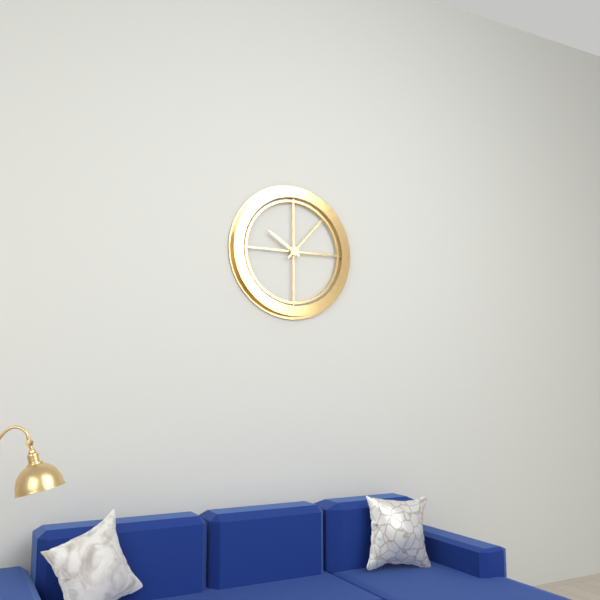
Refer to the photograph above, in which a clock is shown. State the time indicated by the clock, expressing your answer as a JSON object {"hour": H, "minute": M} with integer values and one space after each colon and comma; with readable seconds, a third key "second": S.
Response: {"hour": 10, "minute": 7}
